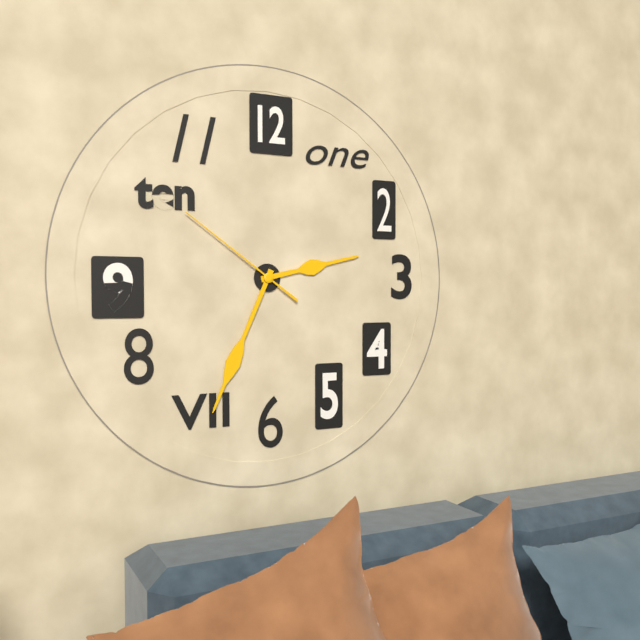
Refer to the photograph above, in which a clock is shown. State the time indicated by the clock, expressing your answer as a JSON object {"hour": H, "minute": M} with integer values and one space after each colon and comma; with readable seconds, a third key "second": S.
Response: {"hour": 2, "minute": 34, "second": 51}
